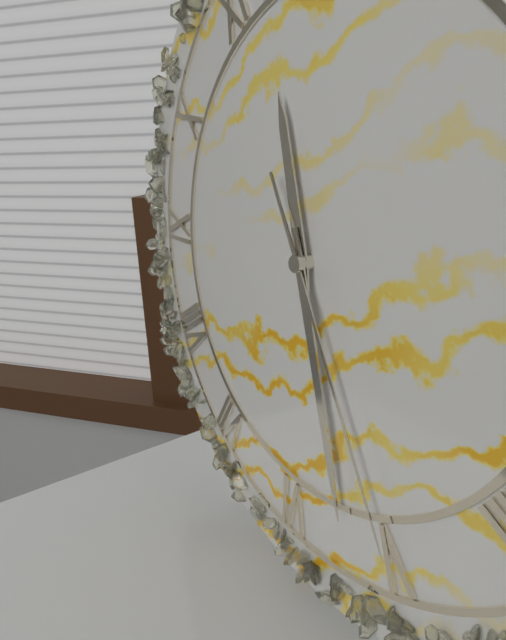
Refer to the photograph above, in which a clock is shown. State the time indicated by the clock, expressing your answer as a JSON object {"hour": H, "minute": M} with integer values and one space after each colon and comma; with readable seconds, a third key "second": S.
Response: {"hour": 11, "minute": 27, "second": 25}
